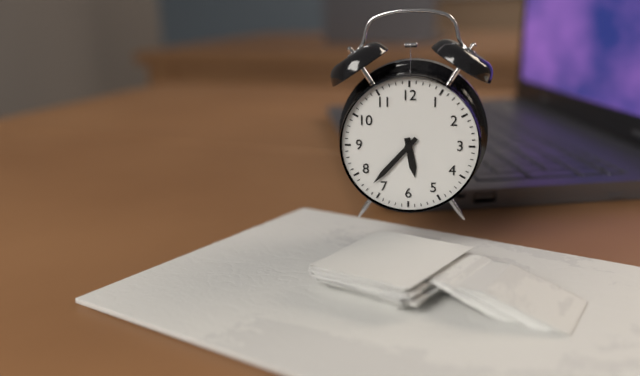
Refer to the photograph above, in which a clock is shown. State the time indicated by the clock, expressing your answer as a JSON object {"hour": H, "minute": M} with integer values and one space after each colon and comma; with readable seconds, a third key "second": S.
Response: {"hour": 5, "minute": 37}
